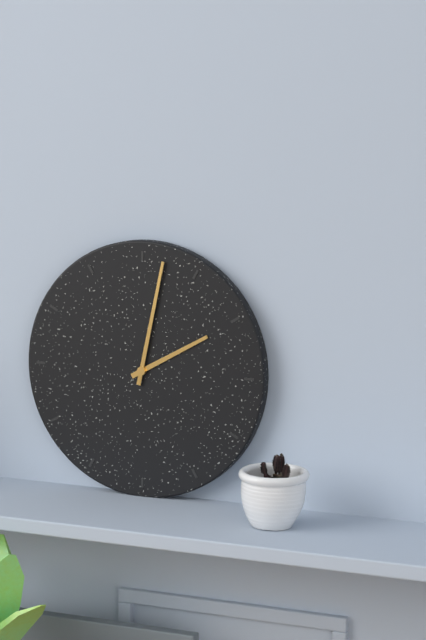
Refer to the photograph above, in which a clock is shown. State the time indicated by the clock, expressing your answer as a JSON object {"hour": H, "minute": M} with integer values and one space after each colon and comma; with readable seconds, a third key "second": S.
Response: {"hour": 2, "minute": 2}
